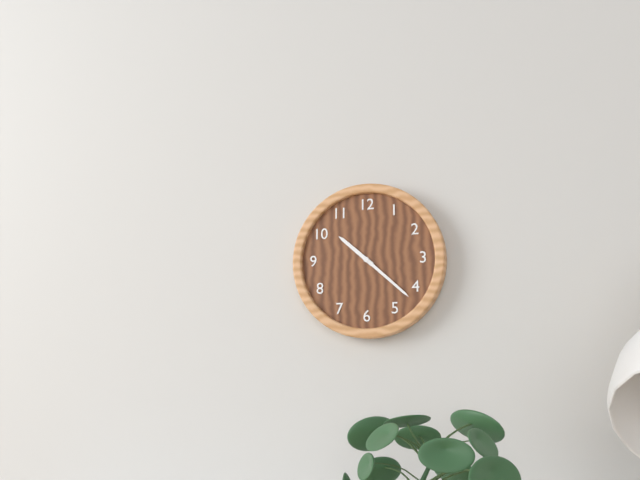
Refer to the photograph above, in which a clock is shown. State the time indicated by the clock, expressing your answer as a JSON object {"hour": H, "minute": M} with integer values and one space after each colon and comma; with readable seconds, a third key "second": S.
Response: {"hour": 10, "minute": 22}
